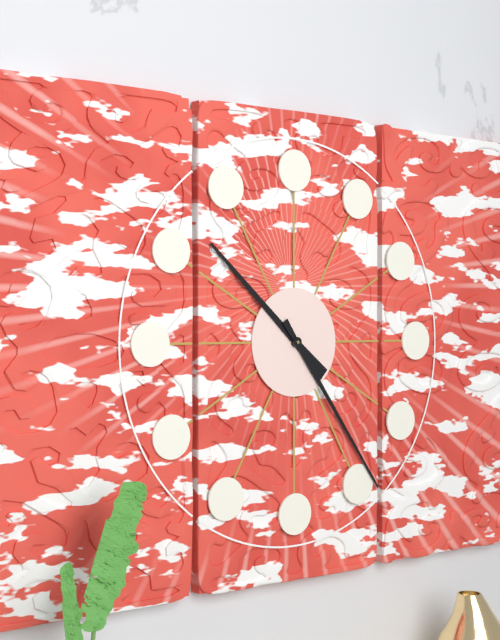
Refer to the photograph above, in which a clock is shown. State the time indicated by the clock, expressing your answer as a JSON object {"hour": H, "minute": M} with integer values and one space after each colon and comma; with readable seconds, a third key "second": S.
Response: {"hour": 10, "minute": 24}
